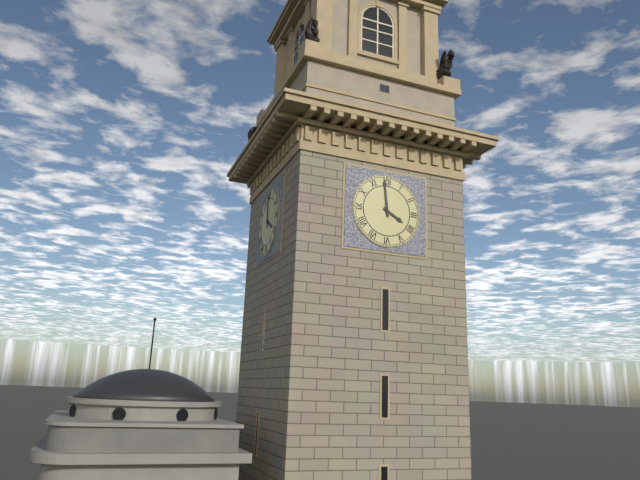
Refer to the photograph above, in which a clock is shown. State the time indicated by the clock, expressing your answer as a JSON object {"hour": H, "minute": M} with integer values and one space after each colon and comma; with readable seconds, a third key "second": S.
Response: {"hour": 3, "minute": 59}
